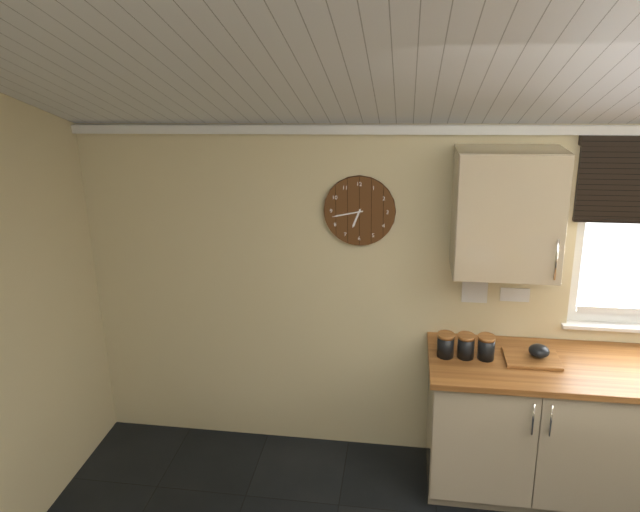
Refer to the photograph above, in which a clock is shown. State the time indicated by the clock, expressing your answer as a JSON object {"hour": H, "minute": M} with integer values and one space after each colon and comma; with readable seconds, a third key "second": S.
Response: {"hour": 6, "minute": 43}
